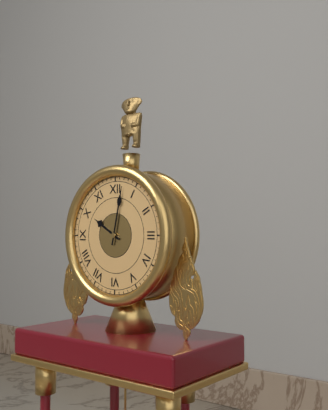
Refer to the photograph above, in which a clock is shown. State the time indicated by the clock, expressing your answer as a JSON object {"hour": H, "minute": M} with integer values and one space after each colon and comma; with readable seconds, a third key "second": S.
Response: {"hour": 10, "minute": 2}
